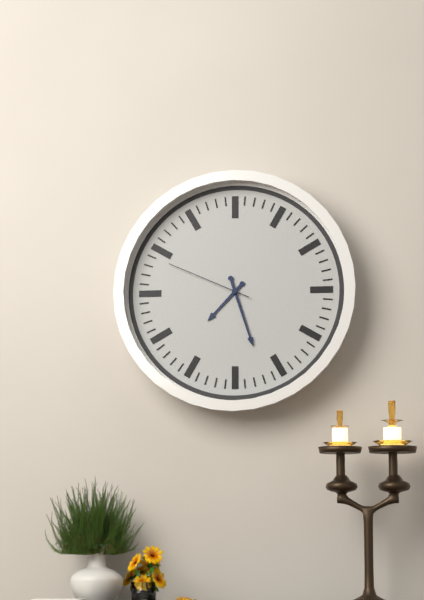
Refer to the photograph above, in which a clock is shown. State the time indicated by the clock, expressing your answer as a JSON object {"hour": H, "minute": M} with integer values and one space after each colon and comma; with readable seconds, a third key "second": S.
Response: {"hour": 7, "minute": 27, "second": 49}
